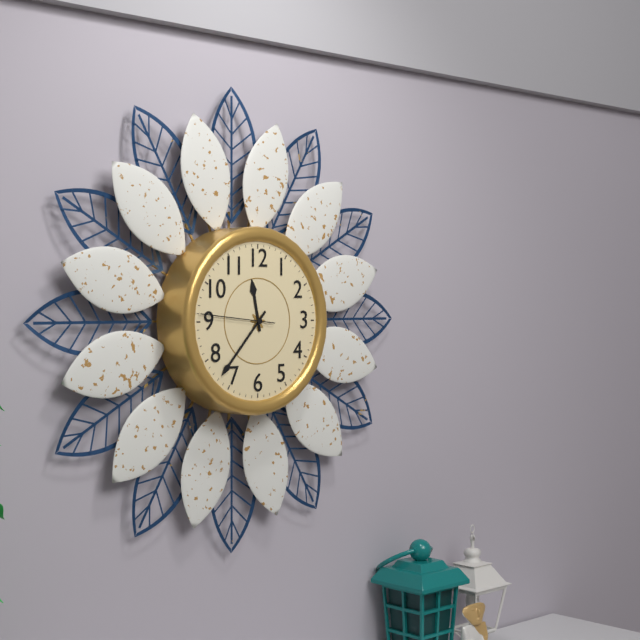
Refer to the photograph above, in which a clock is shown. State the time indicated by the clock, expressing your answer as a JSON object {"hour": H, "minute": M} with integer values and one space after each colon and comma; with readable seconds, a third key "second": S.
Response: {"hour": 11, "minute": 37, "second": 46}
